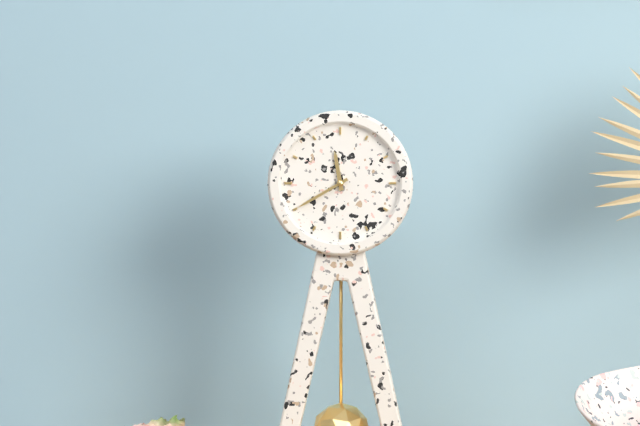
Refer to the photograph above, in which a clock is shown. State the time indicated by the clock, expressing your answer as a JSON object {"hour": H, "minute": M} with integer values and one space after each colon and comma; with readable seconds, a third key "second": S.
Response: {"hour": 11, "minute": 40}
